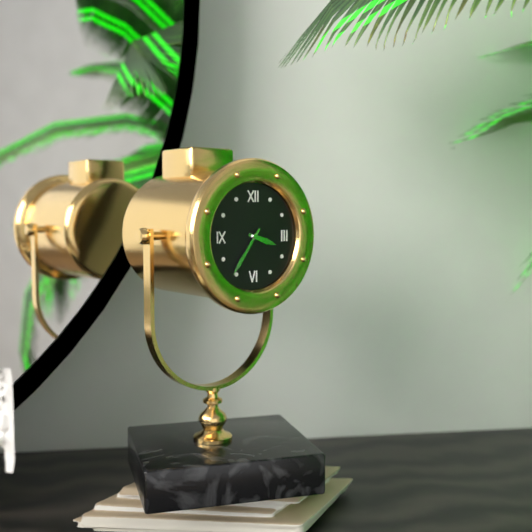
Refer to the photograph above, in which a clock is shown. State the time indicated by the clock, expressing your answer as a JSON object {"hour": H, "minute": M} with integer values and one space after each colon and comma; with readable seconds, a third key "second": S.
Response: {"hour": 3, "minute": 36}
